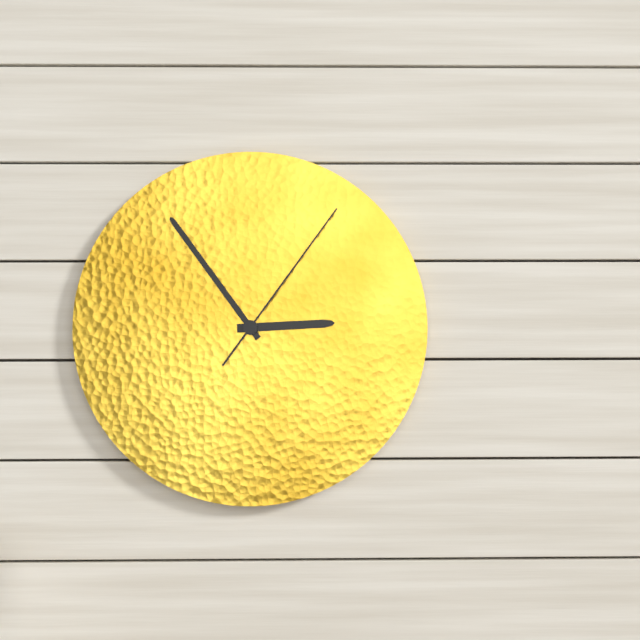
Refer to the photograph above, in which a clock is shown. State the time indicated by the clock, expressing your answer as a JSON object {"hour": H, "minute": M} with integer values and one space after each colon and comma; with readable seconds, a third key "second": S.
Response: {"hour": 2, "minute": 54, "second": 6}
